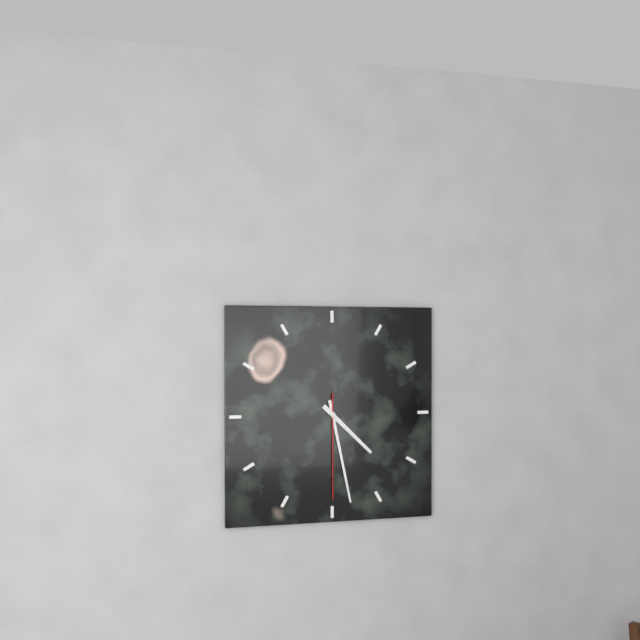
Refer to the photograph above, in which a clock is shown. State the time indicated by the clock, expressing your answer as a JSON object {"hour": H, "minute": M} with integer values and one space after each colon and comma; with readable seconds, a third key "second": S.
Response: {"hour": 4, "minute": 28, "second": 30}
